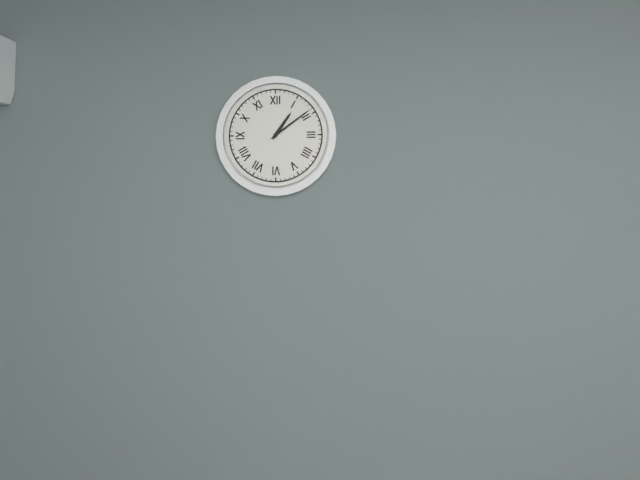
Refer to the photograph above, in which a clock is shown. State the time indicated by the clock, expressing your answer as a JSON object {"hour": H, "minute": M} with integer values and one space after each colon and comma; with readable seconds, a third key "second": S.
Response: {"hour": 1, "minute": 9}
